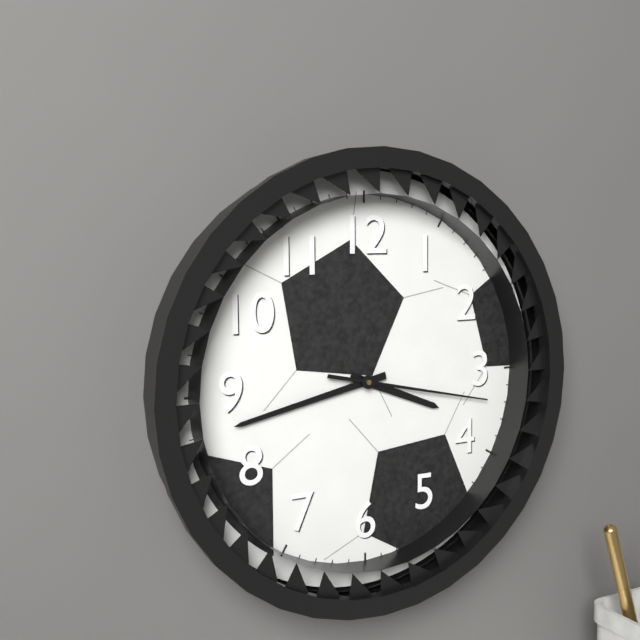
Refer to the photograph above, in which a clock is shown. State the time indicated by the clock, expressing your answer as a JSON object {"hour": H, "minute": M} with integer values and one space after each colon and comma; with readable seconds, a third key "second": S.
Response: {"hour": 3, "minute": 43, "second": 17}
